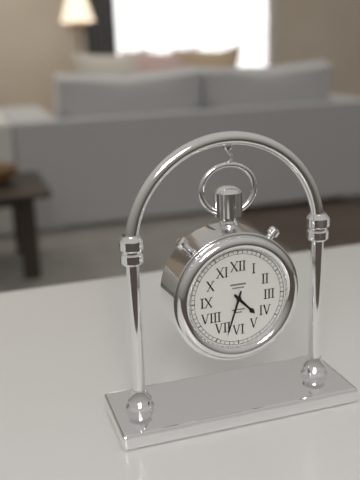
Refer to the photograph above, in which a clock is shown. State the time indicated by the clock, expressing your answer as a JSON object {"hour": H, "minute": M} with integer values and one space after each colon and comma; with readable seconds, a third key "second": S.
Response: {"hour": 4, "minute": 33}
